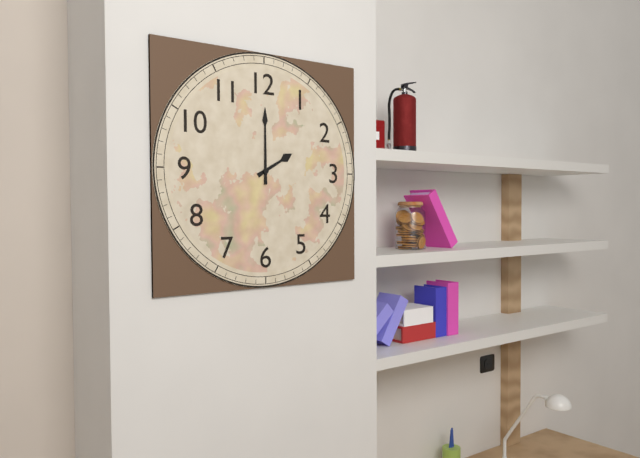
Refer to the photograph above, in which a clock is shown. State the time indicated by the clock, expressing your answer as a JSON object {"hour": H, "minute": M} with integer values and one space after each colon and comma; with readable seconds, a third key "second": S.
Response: {"hour": 2, "minute": 0}
